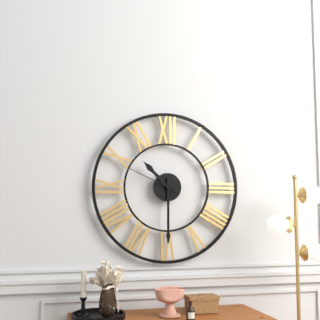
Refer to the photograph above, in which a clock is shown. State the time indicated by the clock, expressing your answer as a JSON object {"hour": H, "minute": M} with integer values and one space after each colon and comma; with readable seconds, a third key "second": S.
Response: {"hour": 10, "minute": 30, "second": 49}
